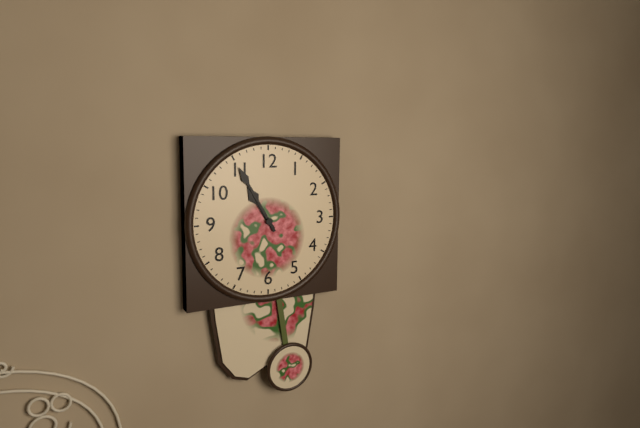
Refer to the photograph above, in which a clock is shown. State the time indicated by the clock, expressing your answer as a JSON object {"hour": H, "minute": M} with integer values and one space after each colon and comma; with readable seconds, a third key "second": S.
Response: {"hour": 10, "minute": 55}
